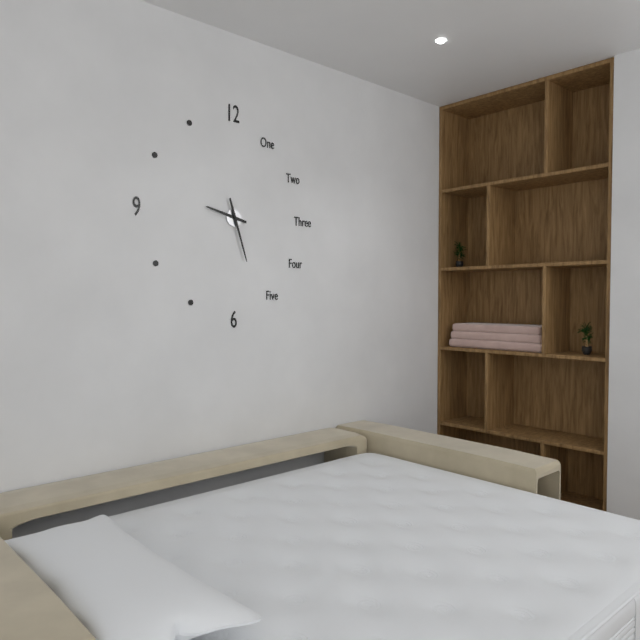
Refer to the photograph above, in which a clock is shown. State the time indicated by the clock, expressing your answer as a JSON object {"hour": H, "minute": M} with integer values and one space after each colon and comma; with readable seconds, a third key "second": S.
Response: {"hour": 9, "minute": 27}
